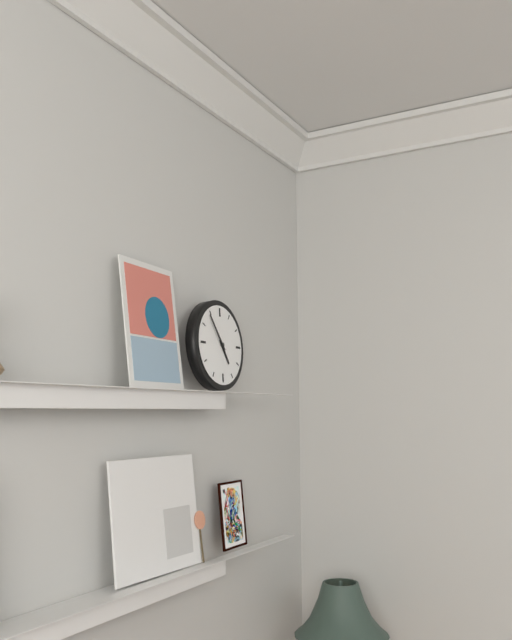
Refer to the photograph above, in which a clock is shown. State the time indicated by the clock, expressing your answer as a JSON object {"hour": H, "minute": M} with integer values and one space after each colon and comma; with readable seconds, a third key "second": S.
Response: {"hour": 4, "minute": 54}
